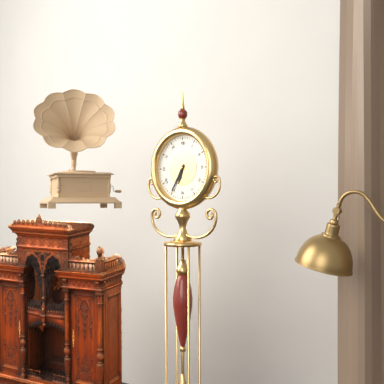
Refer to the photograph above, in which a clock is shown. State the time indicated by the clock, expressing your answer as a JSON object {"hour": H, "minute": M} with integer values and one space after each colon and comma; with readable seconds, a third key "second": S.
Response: {"hour": 6, "minute": 35}
